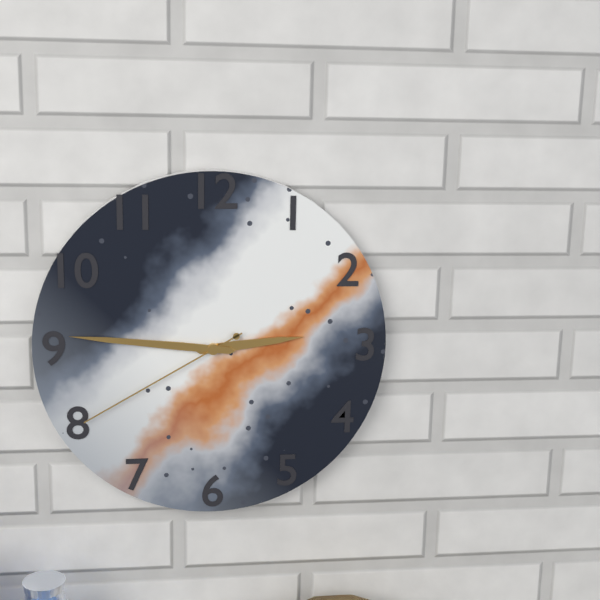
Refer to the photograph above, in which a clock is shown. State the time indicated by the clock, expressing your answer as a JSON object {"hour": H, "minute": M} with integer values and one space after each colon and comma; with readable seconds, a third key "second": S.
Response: {"hour": 2, "minute": 46, "second": 40}
